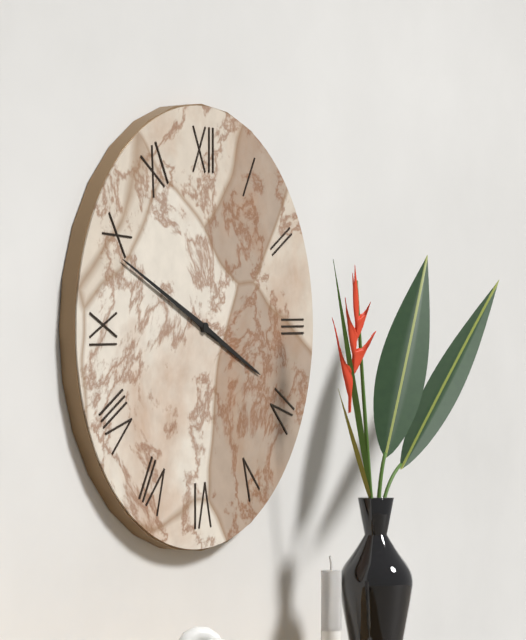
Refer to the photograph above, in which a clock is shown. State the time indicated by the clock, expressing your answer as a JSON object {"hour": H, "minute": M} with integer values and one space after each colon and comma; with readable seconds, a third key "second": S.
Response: {"hour": 3, "minute": 49}
